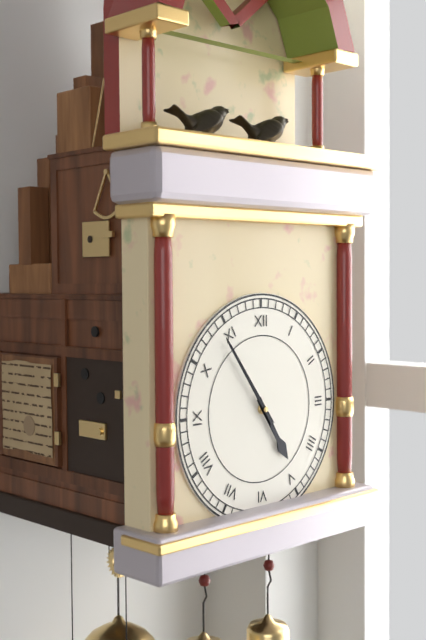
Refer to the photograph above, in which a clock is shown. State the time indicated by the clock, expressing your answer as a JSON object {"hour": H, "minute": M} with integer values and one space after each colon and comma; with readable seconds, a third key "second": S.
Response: {"hour": 4, "minute": 54}
